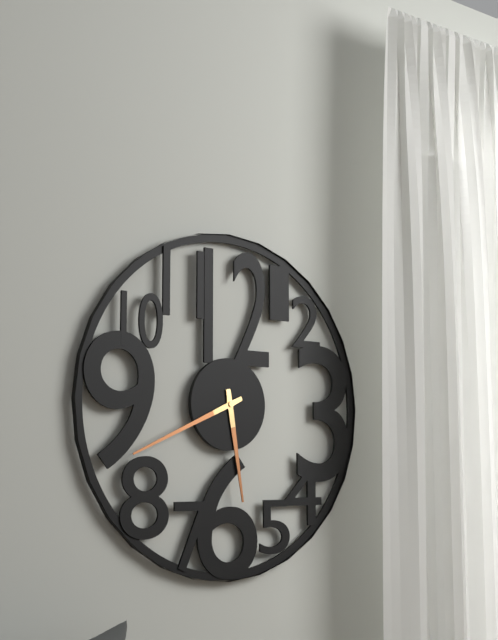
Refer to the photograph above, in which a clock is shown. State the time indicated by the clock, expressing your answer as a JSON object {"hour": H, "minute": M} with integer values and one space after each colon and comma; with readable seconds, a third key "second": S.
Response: {"hour": 5, "minute": 41}
